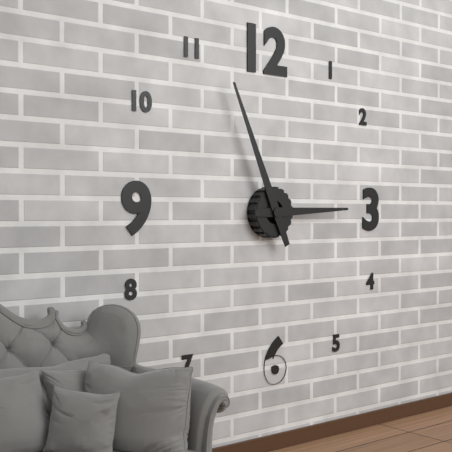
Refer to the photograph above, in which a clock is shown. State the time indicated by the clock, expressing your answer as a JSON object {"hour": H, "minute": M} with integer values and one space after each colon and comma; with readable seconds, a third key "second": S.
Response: {"hour": 2, "minute": 56}
